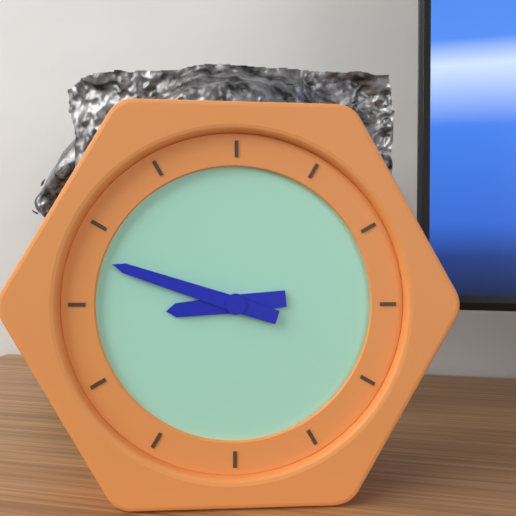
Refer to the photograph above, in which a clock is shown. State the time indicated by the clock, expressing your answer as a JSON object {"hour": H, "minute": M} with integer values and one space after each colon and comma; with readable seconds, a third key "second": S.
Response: {"hour": 8, "minute": 48}
